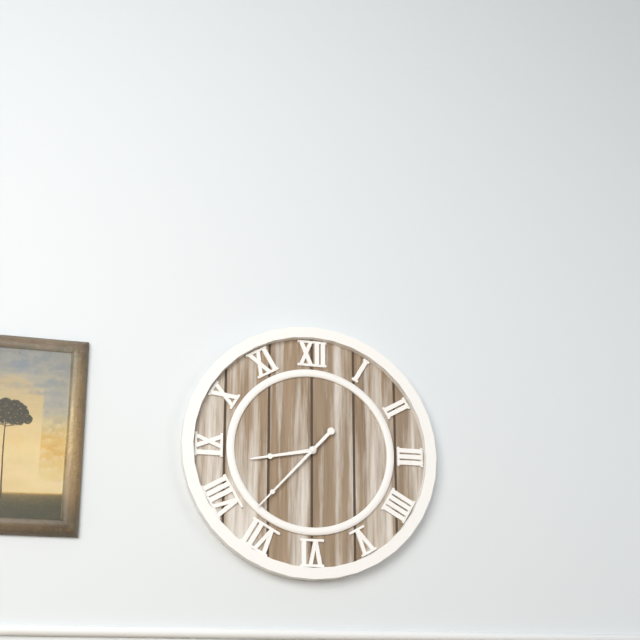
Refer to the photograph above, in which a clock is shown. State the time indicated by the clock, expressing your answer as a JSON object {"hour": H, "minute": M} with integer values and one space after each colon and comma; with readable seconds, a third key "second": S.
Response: {"hour": 8, "minute": 37}
